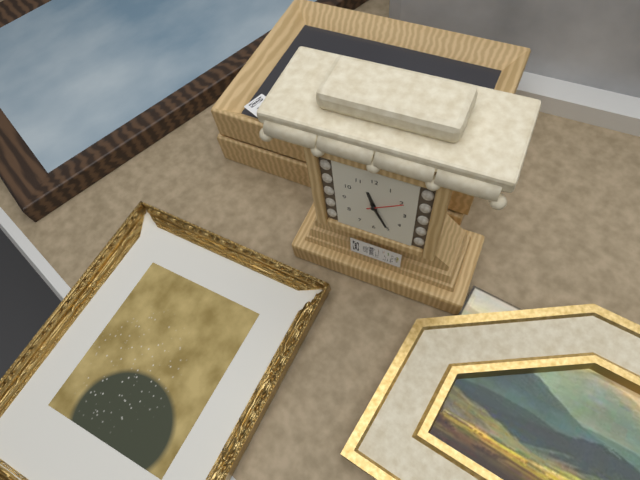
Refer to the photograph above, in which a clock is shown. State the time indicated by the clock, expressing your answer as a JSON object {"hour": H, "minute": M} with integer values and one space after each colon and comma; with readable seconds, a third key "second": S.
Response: {"hour": 11, "minute": 26}
